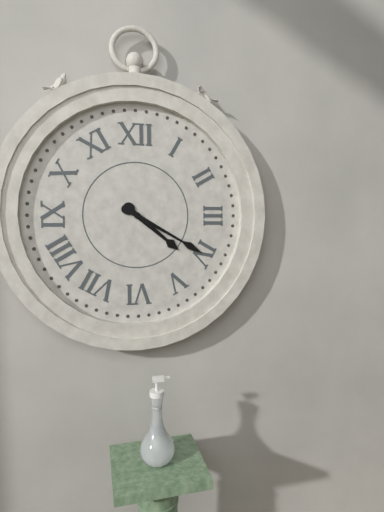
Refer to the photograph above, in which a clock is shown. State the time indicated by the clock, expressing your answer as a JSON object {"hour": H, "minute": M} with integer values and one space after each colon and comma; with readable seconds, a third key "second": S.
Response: {"hour": 4, "minute": 20}
